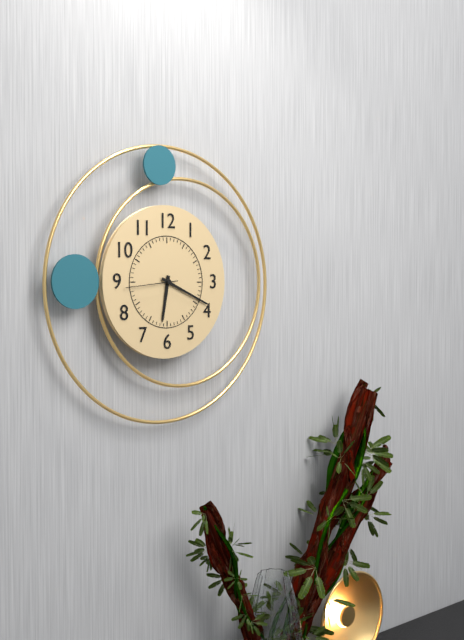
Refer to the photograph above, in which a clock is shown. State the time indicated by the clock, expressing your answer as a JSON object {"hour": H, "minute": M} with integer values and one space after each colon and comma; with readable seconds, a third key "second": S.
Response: {"hour": 6, "minute": 19, "second": 44}
